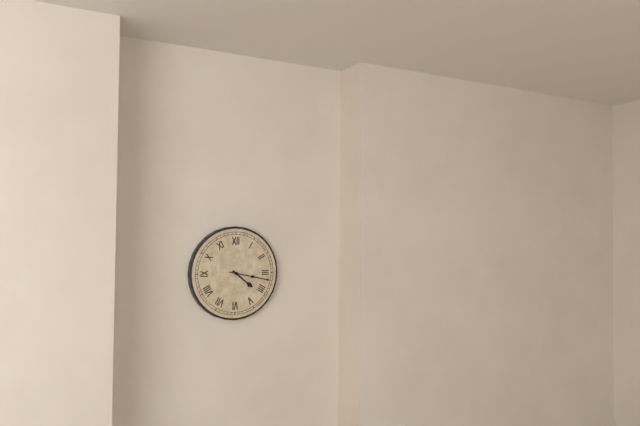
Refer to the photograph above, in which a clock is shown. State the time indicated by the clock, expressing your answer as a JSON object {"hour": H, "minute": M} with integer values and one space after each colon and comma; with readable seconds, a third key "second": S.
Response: {"hour": 4, "minute": 17}
